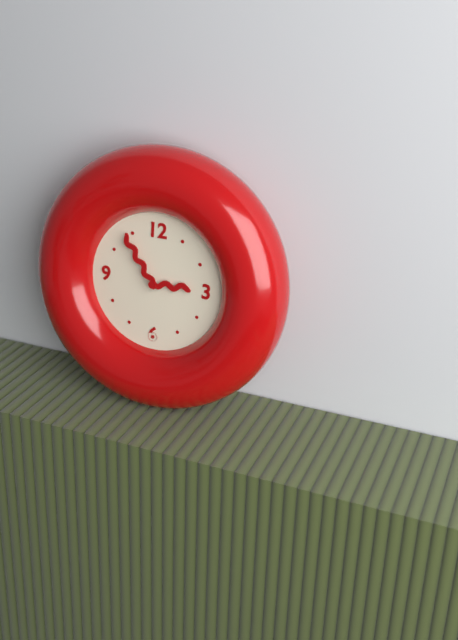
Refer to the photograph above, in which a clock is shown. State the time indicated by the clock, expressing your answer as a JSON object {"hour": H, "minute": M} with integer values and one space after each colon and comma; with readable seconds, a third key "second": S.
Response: {"hour": 2, "minute": 54}
